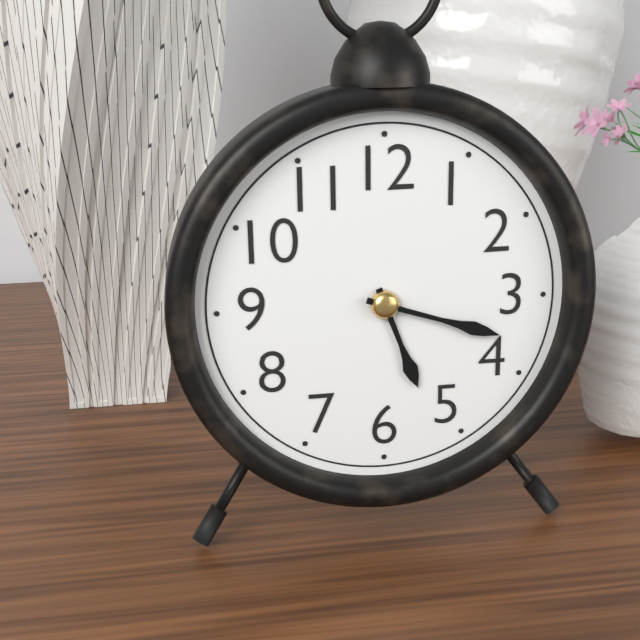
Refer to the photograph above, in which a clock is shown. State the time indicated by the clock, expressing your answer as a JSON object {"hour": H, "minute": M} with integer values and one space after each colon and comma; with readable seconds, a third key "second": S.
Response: {"hour": 5, "minute": 18}
